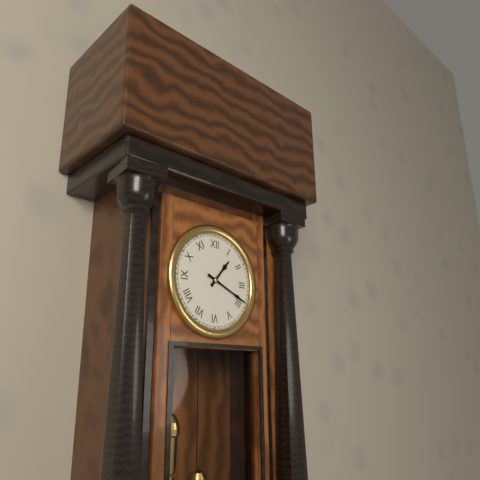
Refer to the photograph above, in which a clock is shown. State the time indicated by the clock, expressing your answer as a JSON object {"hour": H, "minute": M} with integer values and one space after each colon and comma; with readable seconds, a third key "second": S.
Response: {"hour": 1, "minute": 19}
